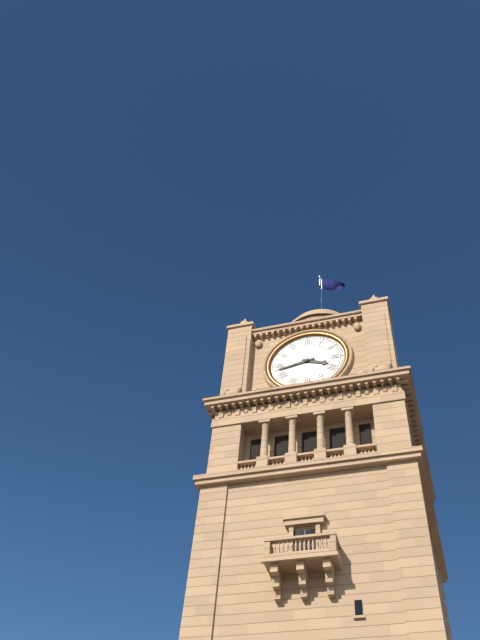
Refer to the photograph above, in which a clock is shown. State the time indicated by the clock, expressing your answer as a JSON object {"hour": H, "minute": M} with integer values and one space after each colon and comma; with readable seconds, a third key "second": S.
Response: {"hour": 3, "minute": 43}
